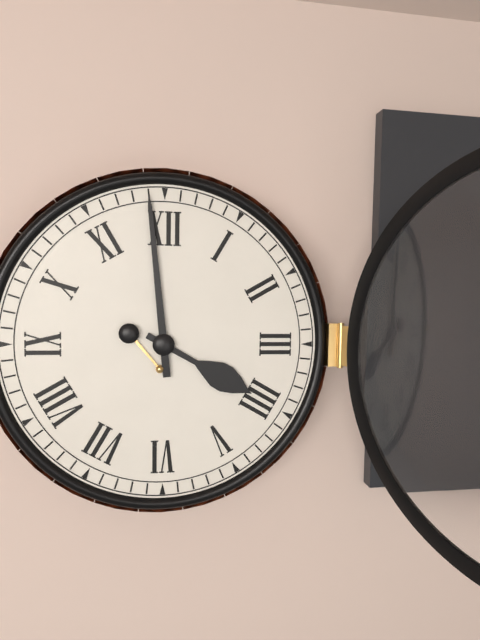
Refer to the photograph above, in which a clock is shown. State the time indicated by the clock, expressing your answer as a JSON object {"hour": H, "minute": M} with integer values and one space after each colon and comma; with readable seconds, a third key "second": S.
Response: {"hour": 3, "minute": 59}
